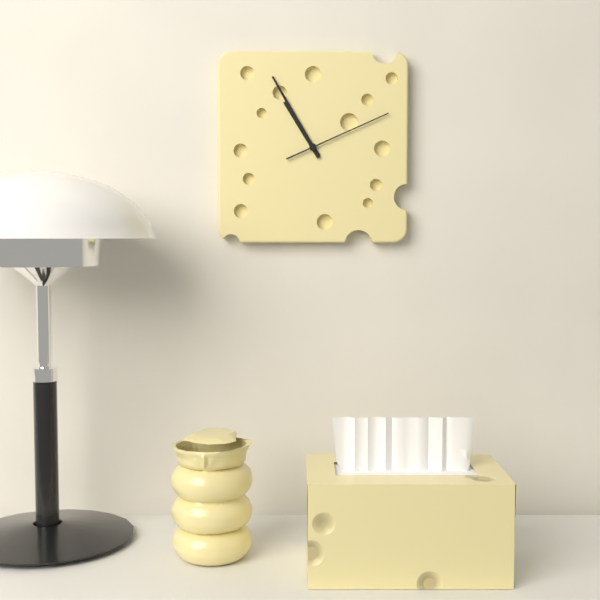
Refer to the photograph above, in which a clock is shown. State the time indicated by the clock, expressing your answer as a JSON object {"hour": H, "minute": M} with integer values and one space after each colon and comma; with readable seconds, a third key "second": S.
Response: {"hour": 10, "minute": 55, "second": 11}
